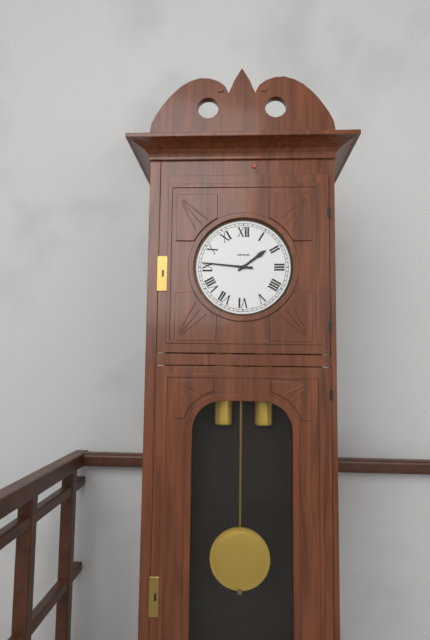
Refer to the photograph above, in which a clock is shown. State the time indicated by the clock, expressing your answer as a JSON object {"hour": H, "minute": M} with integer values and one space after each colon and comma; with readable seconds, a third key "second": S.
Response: {"hour": 1, "minute": 46}
